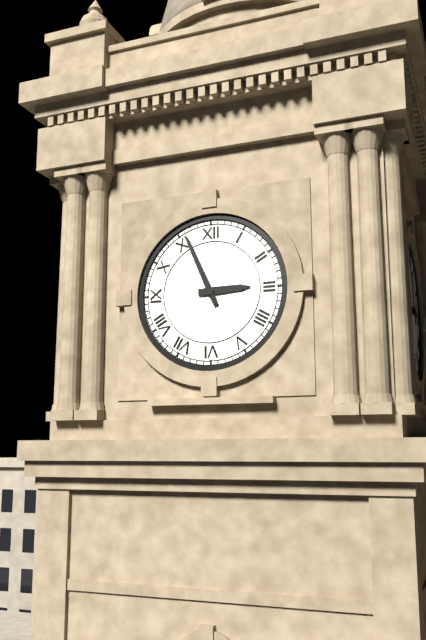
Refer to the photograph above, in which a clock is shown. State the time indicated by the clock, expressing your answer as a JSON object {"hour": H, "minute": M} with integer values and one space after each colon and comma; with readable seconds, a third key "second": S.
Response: {"hour": 2, "minute": 56}
